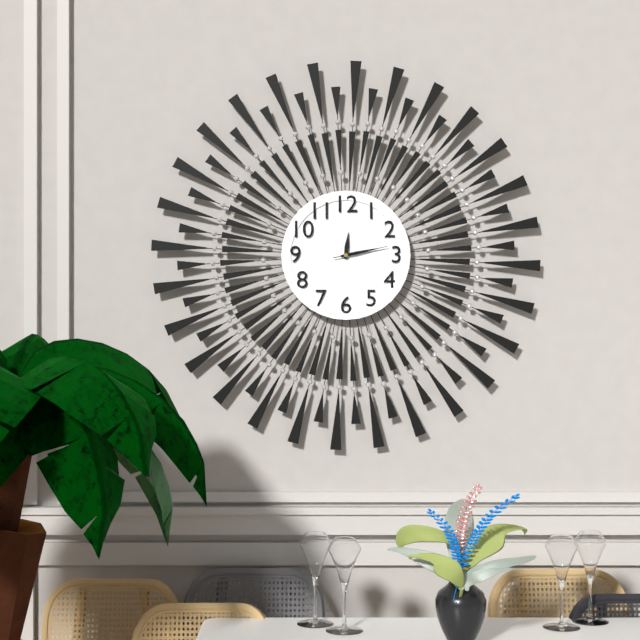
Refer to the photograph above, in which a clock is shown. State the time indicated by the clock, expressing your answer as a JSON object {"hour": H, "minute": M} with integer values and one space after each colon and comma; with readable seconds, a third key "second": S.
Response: {"hour": 12, "minute": 13, "second": 13}
